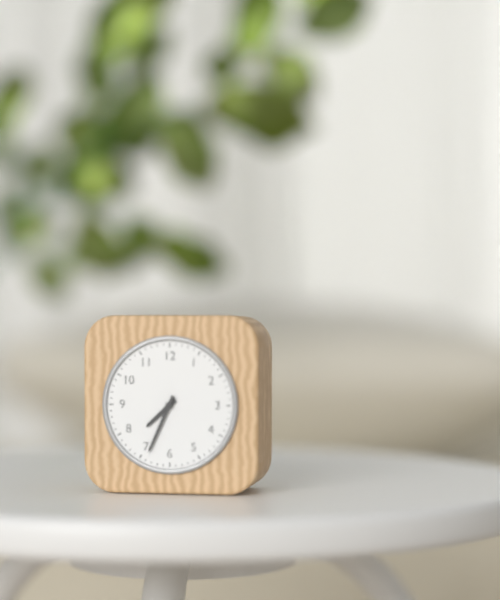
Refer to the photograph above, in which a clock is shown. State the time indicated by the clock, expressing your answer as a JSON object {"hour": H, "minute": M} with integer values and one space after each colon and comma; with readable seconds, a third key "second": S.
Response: {"hour": 7, "minute": 34}
